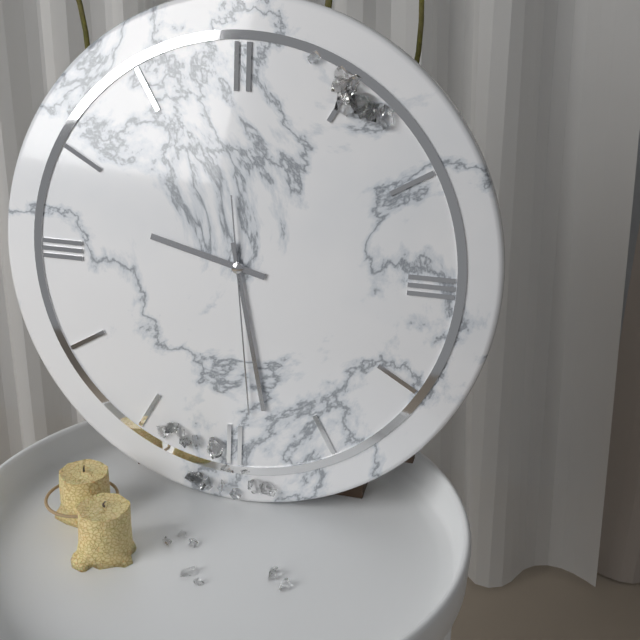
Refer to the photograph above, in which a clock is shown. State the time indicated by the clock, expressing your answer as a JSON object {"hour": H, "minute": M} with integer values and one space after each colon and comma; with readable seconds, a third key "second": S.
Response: {"hour": 9, "minute": 28, "second": 29}
